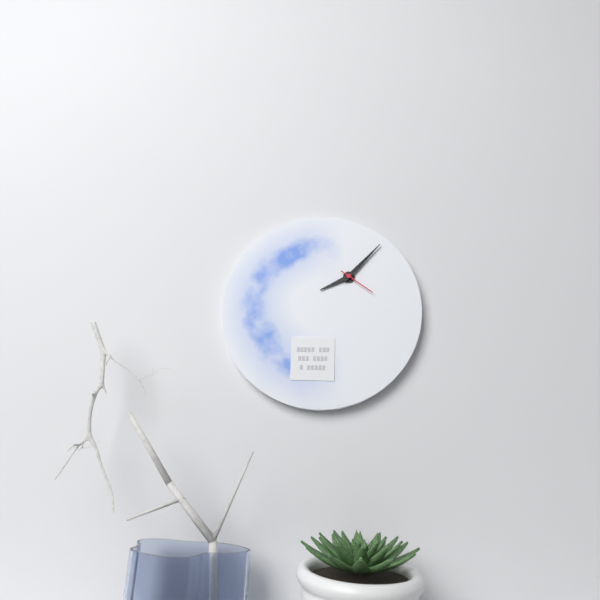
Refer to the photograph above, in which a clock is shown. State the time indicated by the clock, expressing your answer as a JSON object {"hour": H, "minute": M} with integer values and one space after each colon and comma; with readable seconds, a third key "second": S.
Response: {"hour": 8, "minute": 7}
